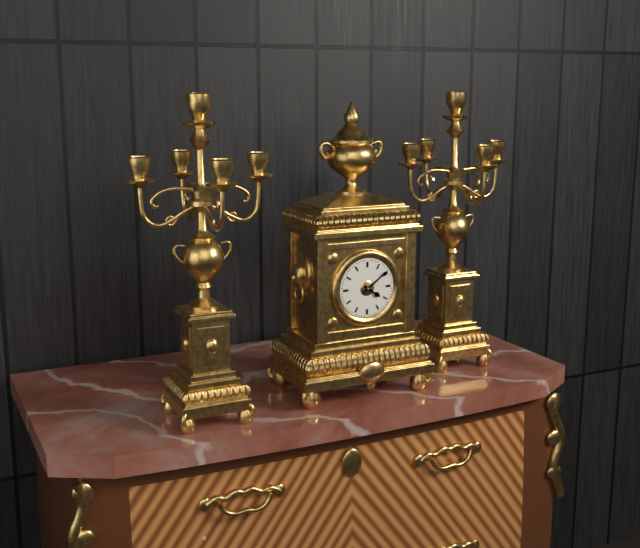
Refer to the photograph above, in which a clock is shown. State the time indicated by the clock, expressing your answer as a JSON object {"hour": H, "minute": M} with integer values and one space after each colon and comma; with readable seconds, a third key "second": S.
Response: {"hour": 4, "minute": 9}
